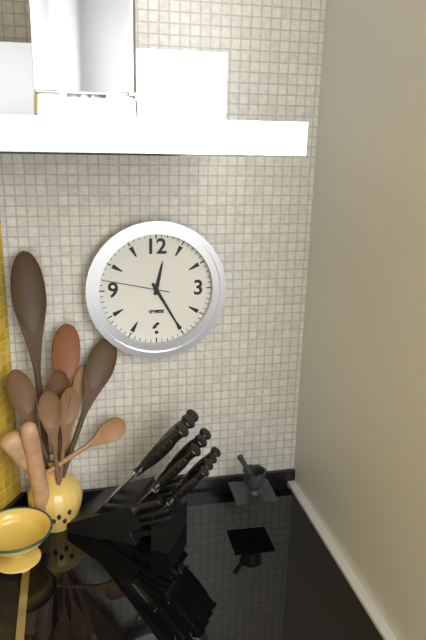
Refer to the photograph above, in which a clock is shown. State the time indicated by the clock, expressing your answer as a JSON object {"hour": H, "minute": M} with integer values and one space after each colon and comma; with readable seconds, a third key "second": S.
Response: {"hour": 12, "minute": 25, "second": 47}
